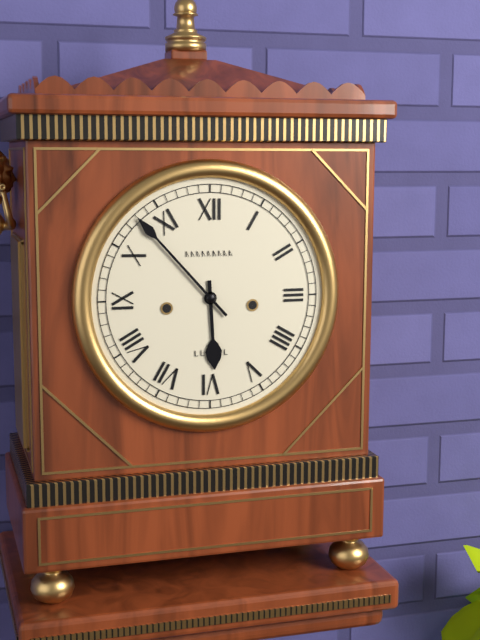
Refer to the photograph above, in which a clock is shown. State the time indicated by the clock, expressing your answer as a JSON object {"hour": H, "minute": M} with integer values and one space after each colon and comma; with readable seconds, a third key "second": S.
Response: {"hour": 5, "minute": 53}
